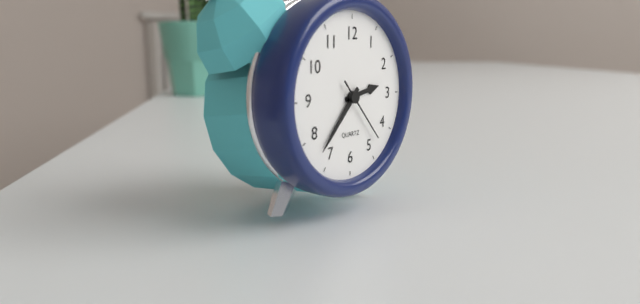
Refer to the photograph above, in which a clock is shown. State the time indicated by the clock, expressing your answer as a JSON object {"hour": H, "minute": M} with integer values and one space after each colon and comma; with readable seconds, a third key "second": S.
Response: {"hour": 2, "minute": 37, "second": 23}
